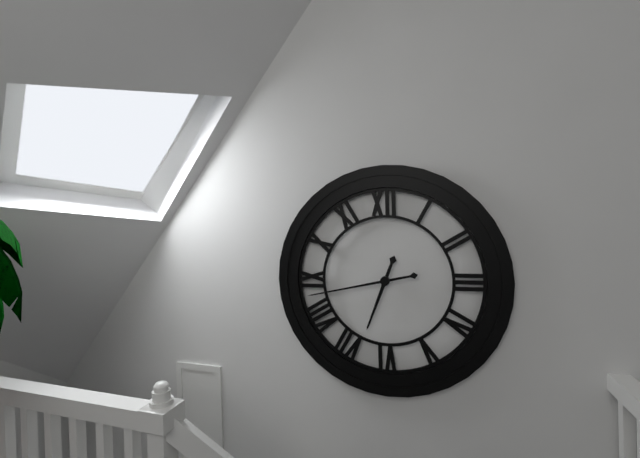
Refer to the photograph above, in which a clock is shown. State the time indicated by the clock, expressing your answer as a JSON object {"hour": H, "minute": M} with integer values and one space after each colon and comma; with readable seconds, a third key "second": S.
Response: {"hour": 6, "minute": 43}
